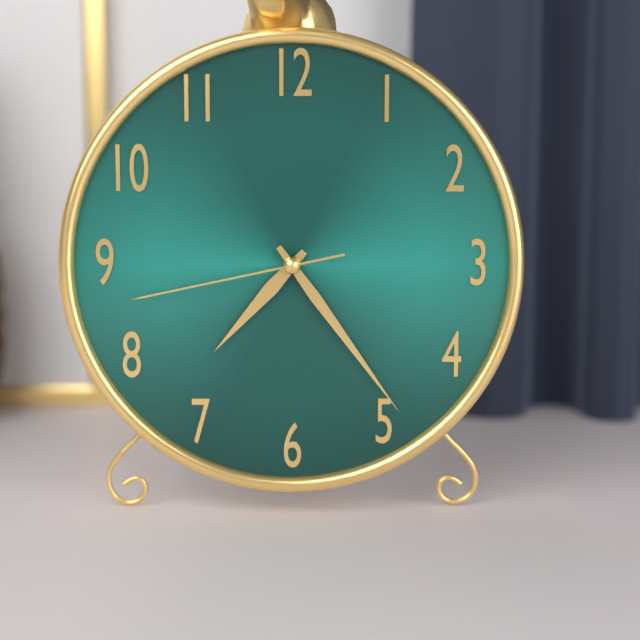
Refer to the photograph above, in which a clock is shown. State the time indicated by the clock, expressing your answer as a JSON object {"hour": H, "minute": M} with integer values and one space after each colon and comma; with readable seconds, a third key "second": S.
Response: {"hour": 7, "minute": 24, "second": 43}
